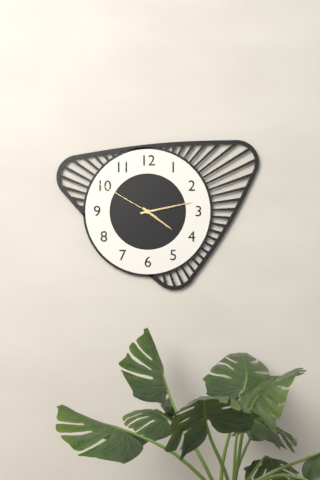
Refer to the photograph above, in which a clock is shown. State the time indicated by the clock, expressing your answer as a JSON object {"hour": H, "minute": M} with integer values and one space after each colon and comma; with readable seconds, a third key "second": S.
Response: {"hour": 4, "minute": 13, "second": 50}
